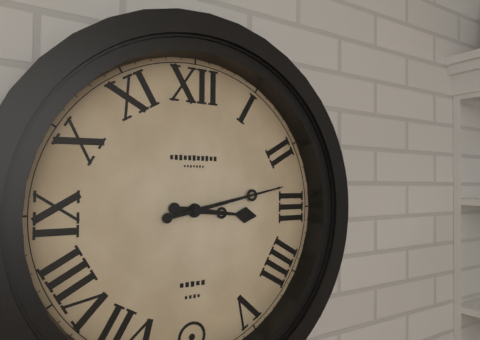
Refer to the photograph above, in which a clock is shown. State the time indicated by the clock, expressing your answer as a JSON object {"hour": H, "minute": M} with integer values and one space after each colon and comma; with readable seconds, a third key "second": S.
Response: {"hour": 3, "minute": 13}
